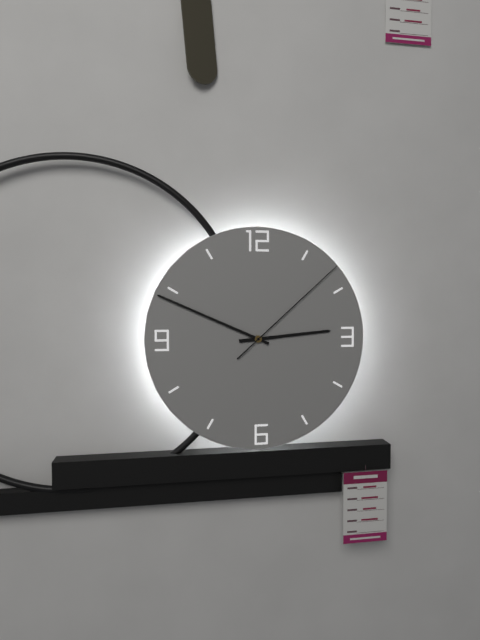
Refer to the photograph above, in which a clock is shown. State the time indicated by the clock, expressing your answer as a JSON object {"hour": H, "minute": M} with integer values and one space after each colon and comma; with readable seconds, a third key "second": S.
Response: {"hour": 2, "minute": 49, "second": 8}
